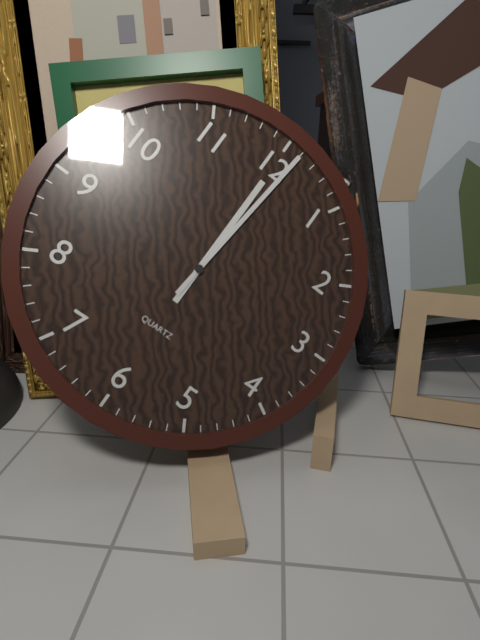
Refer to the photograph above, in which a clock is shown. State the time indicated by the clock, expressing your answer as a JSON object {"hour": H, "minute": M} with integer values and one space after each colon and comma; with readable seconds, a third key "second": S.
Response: {"hour": 12, "minute": 1}
